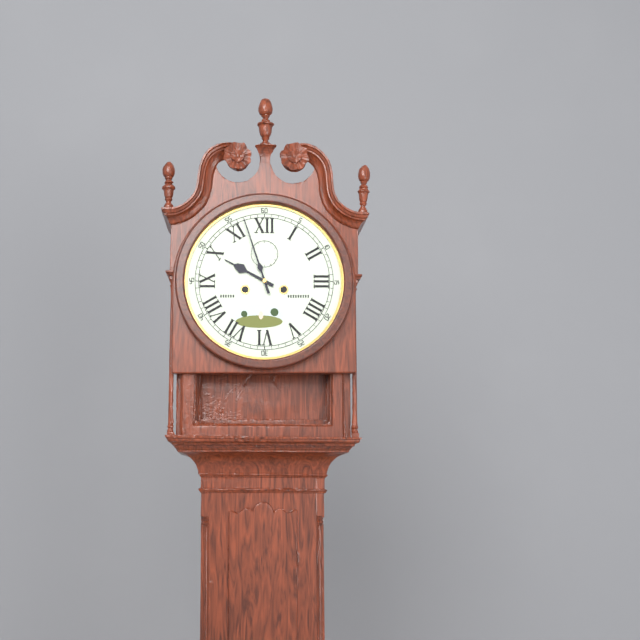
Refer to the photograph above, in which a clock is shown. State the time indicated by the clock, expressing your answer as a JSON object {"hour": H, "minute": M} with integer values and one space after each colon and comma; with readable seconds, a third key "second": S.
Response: {"hour": 9, "minute": 57}
